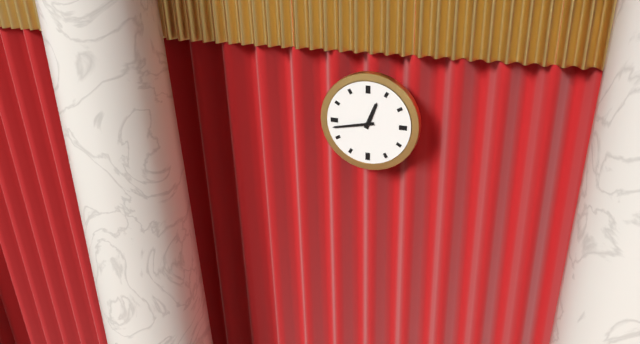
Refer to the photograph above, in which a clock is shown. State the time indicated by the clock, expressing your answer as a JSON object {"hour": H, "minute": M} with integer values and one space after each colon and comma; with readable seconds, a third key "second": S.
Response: {"hour": 12, "minute": 43}
